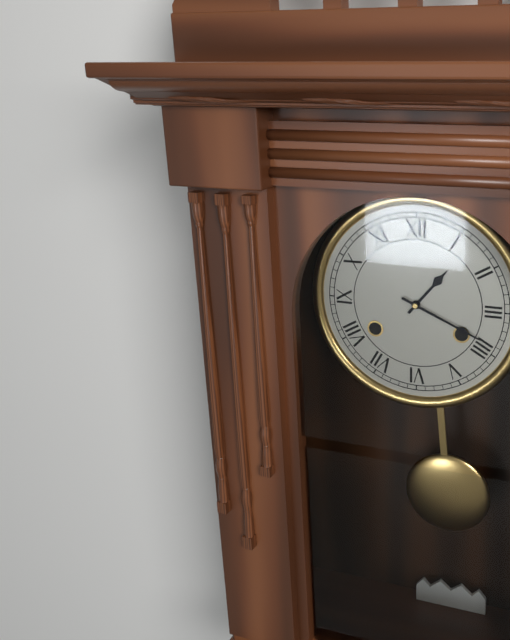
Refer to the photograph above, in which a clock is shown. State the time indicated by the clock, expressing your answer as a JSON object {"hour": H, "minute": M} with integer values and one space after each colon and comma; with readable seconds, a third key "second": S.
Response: {"hour": 1, "minute": 19}
